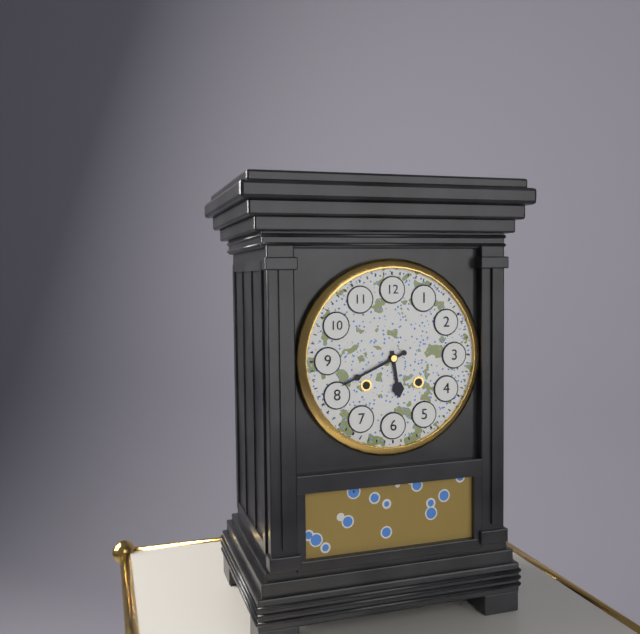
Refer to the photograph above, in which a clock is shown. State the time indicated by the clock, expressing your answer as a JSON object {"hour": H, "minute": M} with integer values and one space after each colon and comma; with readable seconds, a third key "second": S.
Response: {"hour": 5, "minute": 41}
